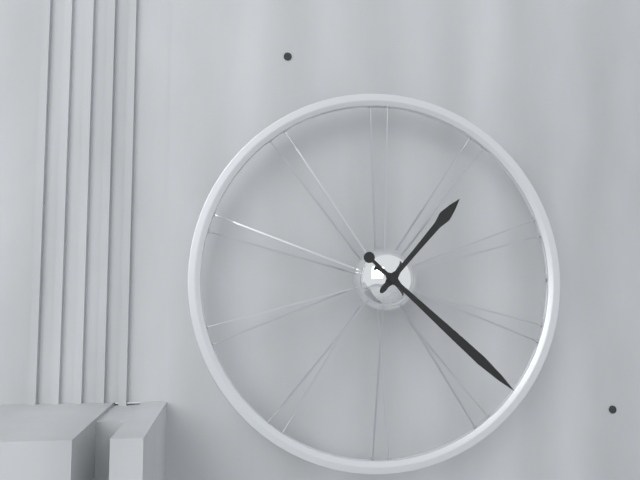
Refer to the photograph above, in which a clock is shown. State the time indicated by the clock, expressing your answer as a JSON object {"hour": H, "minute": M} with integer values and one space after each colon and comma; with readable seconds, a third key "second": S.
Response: {"hour": 1, "minute": 22}
